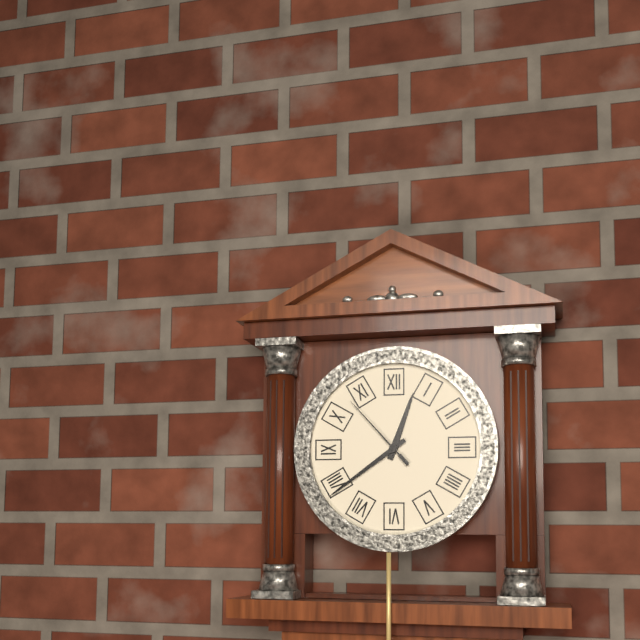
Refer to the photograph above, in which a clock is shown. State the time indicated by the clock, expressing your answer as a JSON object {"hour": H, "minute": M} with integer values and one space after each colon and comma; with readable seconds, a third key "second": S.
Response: {"hour": 12, "minute": 39, "second": 53}
